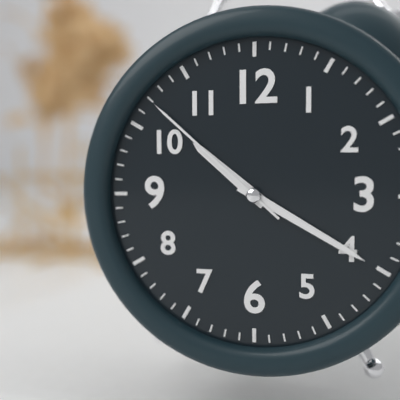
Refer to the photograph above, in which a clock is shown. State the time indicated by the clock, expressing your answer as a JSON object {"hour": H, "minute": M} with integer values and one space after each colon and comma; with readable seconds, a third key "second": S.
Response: {"hour": 10, "minute": 20, "second": 52}
